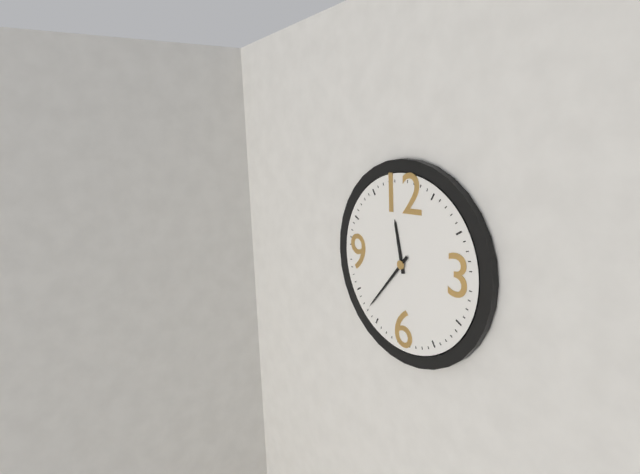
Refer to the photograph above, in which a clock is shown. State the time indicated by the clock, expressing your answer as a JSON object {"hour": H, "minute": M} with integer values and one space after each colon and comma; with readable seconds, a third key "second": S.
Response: {"hour": 11, "minute": 37}
